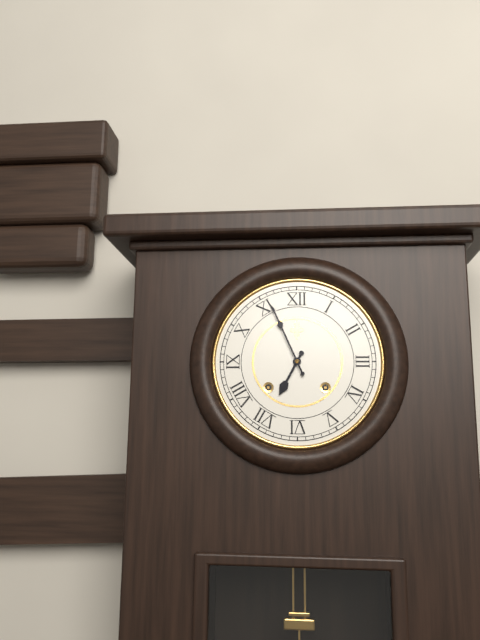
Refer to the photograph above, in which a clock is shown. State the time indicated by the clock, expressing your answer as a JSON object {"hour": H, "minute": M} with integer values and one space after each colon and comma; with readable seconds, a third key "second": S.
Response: {"hour": 6, "minute": 56}
